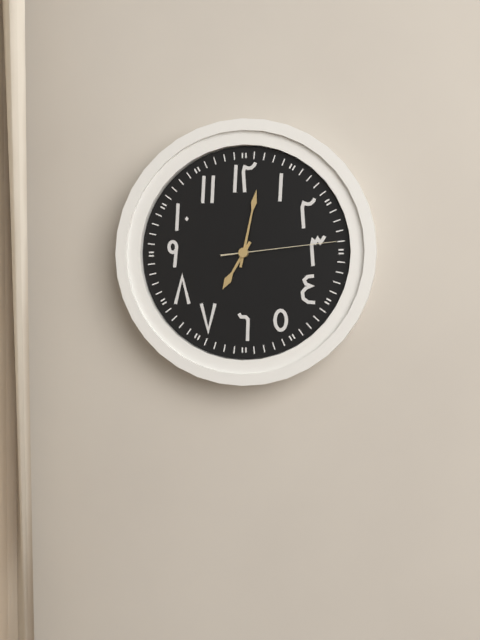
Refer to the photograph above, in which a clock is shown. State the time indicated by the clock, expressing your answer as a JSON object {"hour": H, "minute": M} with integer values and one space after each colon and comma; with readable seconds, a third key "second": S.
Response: {"hour": 7, "minute": 2, "second": 14}
